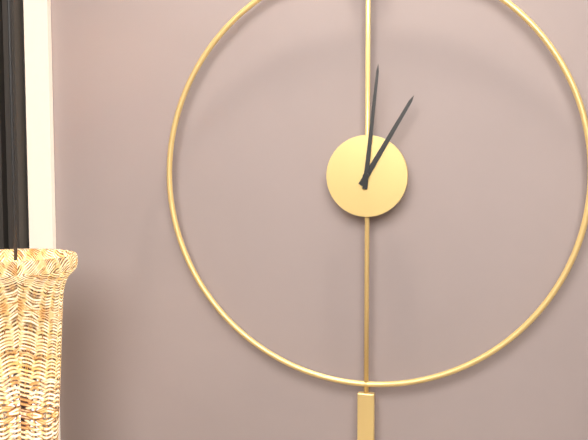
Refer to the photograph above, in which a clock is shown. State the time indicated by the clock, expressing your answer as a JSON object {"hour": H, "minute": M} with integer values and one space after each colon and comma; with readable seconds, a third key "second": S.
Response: {"hour": 1, "minute": 1}
